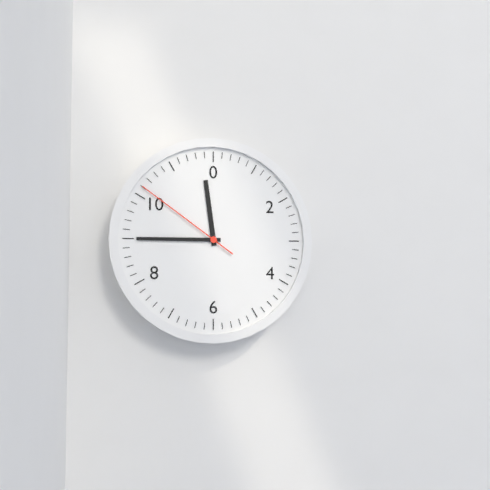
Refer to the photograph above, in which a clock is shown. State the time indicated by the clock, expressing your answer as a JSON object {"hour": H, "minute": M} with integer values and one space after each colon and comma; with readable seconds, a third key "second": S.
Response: {"hour": 11, "minute": 45, "second": 51}
